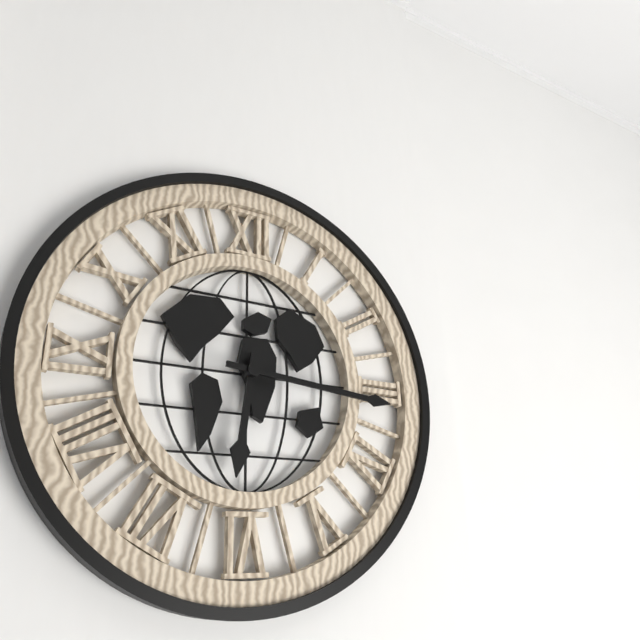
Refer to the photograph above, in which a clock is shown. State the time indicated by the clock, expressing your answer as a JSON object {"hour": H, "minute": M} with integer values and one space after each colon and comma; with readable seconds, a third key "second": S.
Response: {"hour": 6, "minute": 16}
